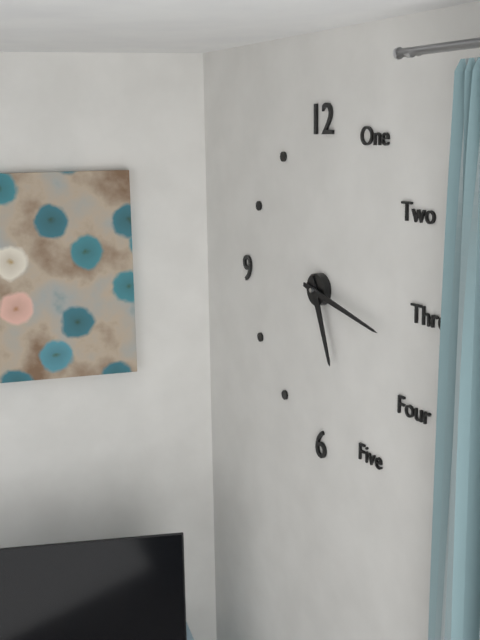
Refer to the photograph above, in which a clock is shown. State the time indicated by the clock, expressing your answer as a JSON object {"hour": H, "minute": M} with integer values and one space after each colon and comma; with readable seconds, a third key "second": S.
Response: {"hour": 5, "minute": 17}
